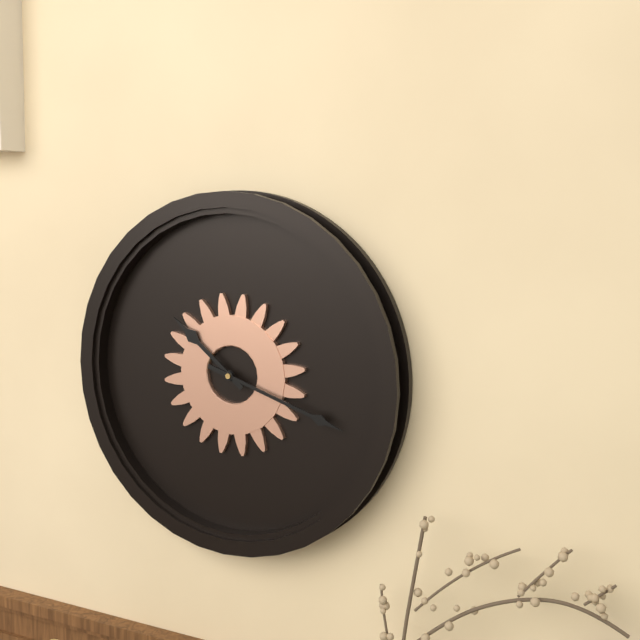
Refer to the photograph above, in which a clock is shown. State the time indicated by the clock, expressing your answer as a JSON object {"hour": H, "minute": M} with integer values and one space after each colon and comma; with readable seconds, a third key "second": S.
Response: {"hour": 10, "minute": 18}
